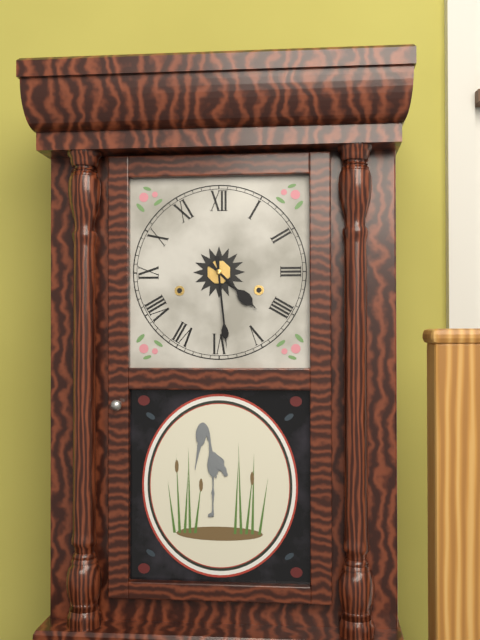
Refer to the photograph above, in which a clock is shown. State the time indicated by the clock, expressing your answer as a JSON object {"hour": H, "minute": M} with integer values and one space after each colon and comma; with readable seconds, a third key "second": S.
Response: {"hour": 4, "minute": 29}
